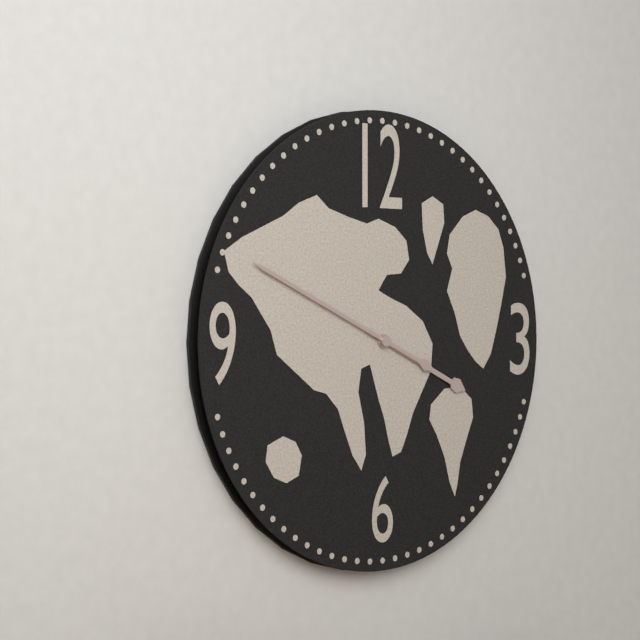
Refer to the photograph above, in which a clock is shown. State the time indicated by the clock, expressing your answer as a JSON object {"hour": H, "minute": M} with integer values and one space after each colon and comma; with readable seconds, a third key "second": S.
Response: {"hour": 3, "minute": 49}
